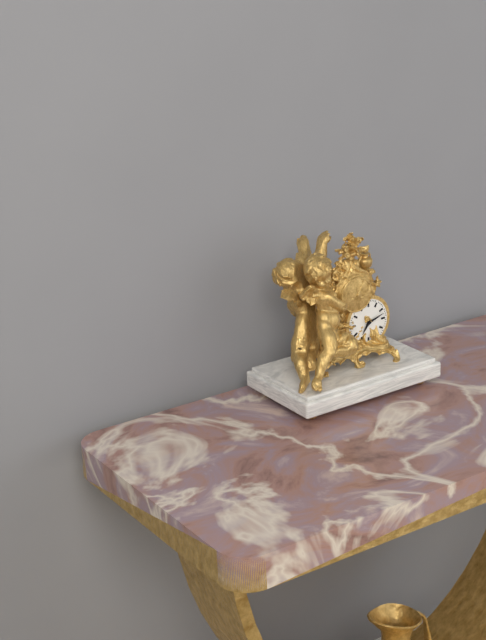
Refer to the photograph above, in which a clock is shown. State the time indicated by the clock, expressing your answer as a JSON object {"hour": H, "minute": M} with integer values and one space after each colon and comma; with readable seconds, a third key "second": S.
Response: {"hour": 7, "minute": 12}
